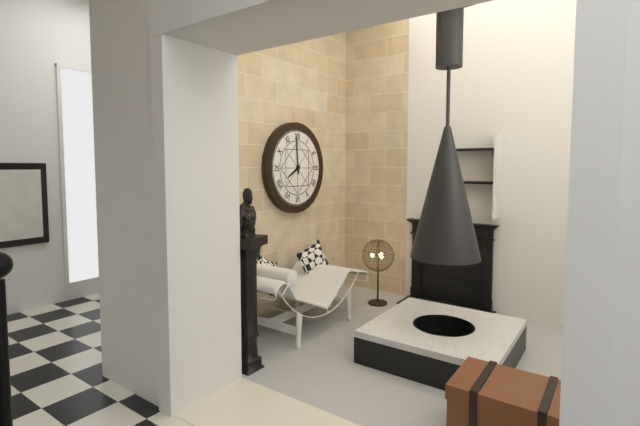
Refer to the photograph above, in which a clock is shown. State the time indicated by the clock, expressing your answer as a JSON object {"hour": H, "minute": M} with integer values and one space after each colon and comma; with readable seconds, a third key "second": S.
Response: {"hour": 7, "minute": 59}
